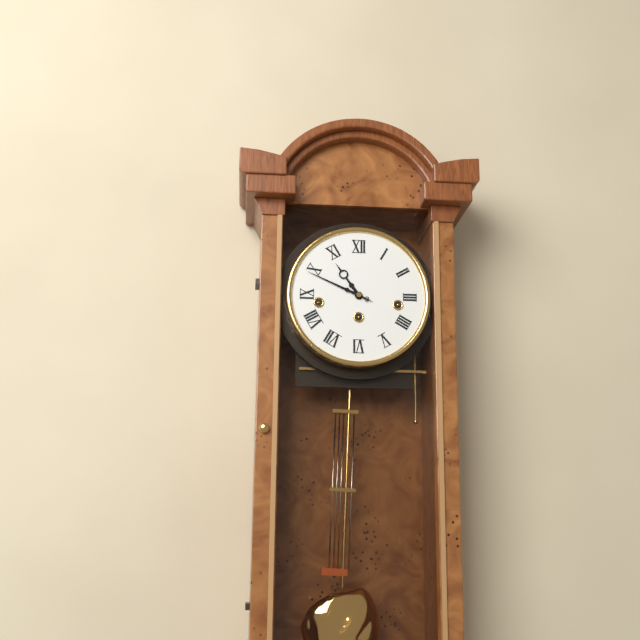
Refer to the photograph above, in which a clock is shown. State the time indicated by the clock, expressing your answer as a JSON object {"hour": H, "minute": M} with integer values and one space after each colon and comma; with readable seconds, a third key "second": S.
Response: {"hour": 10, "minute": 49}
